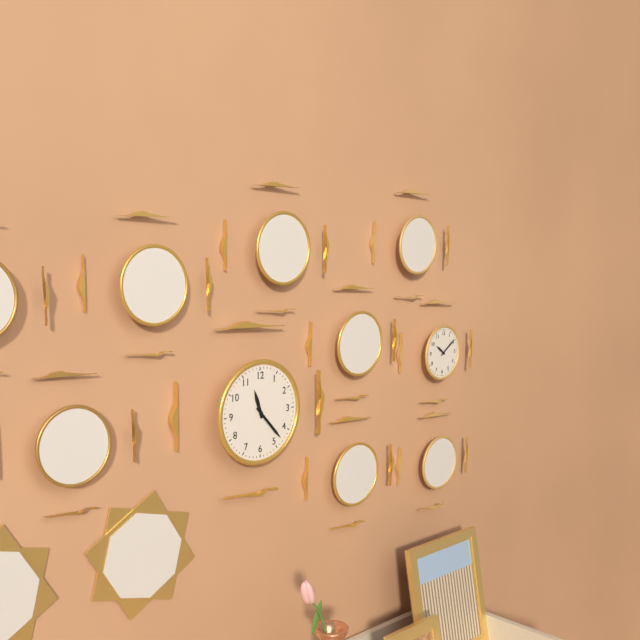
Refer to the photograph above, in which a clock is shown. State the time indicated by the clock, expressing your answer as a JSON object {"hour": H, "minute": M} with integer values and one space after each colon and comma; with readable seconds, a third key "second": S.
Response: {"hour": 11, "minute": 23}
